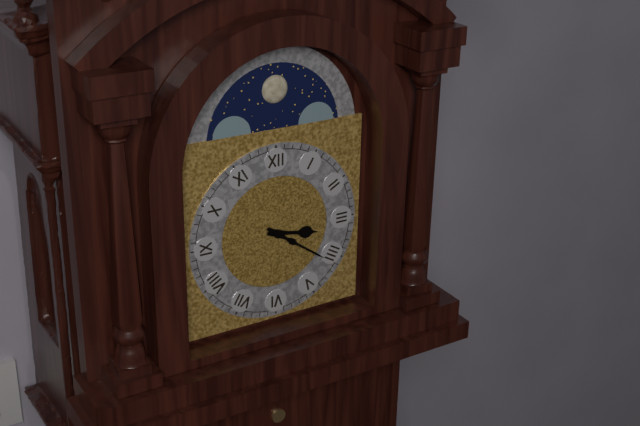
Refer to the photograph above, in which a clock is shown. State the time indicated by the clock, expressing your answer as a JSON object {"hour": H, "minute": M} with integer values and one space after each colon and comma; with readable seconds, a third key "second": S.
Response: {"hour": 3, "minute": 21}
